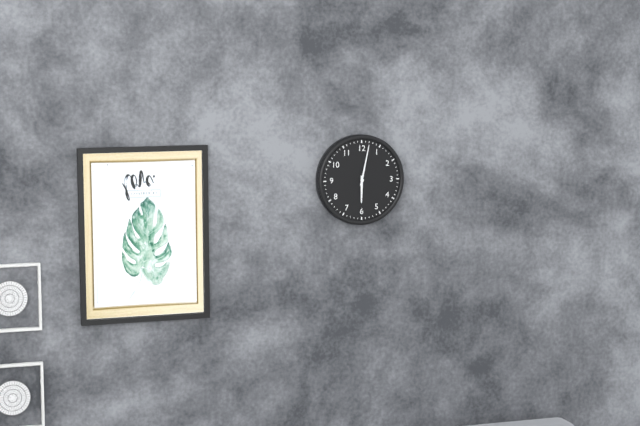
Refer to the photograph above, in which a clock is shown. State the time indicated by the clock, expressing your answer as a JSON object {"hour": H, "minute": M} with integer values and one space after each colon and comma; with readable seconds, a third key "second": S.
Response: {"hour": 6, "minute": 2}
